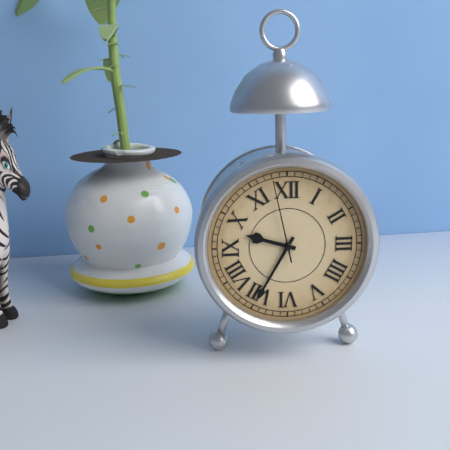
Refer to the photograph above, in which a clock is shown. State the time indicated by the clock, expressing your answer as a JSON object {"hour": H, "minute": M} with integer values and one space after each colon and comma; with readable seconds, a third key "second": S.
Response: {"hour": 9, "minute": 35, "second": 58}
